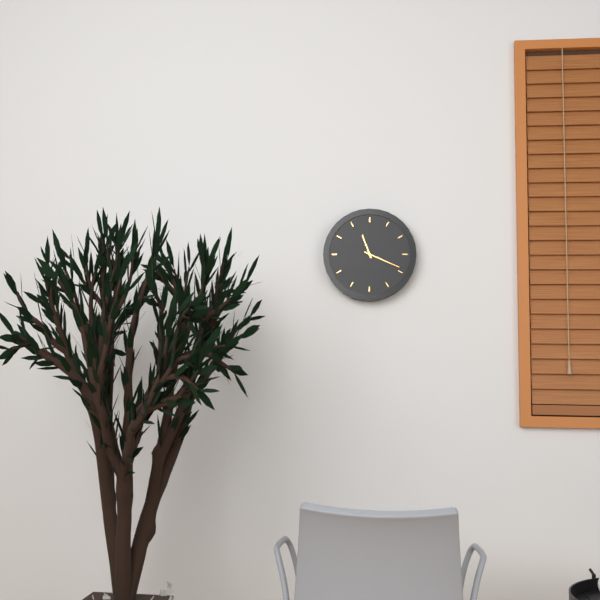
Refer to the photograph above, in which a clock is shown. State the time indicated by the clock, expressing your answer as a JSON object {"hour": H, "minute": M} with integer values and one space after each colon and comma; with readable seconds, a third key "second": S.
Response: {"hour": 11, "minute": 19}
